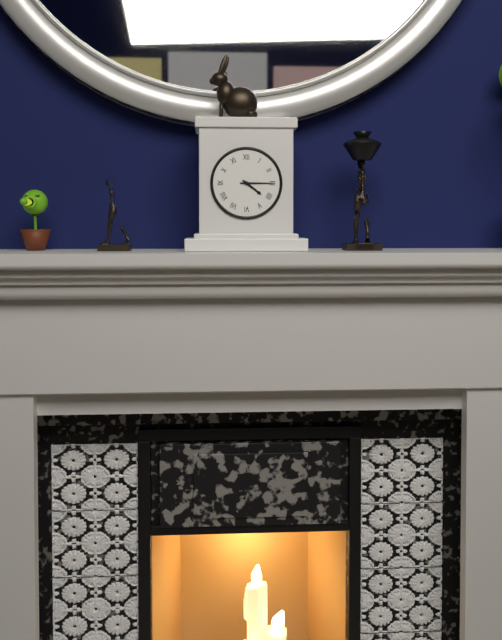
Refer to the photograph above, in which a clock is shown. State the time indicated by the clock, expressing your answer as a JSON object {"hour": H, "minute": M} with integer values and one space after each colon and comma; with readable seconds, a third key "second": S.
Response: {"hour": 4, "minute": 15}
